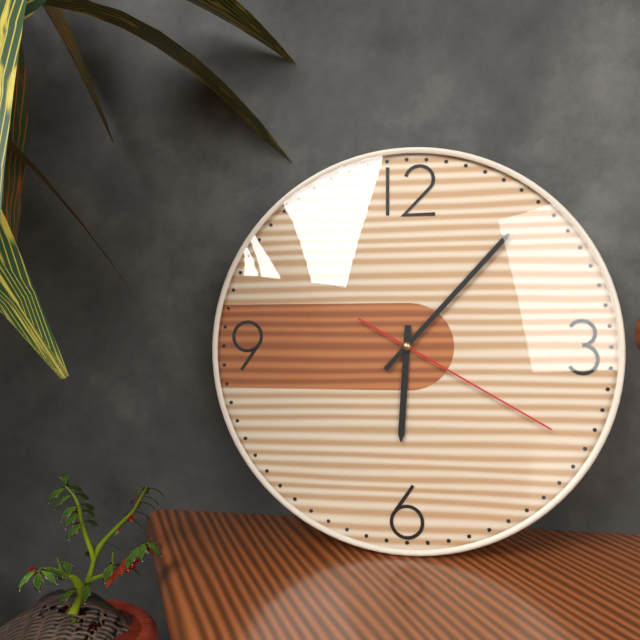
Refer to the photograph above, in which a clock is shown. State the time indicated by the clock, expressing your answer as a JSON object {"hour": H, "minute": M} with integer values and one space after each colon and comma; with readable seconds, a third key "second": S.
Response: {"hour": 6, "minute": 7, "second": 20}
